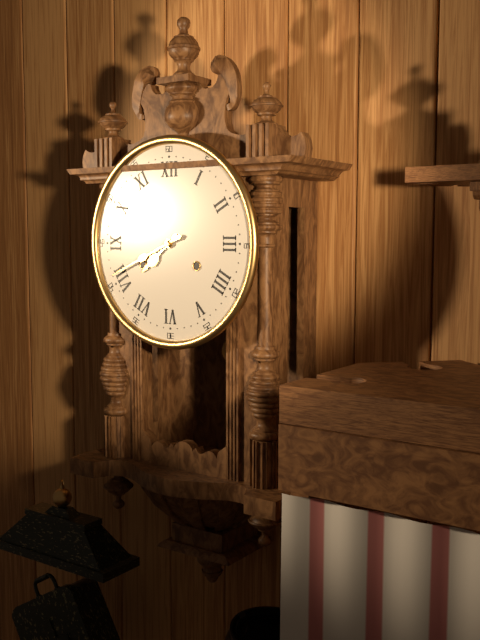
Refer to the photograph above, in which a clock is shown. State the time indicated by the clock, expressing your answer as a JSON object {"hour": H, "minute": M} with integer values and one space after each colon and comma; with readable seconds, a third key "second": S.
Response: {"hour": 7, "minute": 41}
